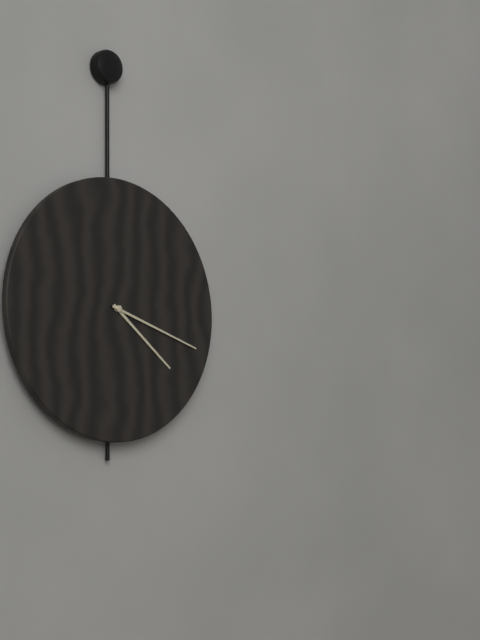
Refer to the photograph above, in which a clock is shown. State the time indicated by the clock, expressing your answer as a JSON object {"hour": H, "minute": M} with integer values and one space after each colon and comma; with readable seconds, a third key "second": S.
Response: {"hour": 4, "minute": 18}
